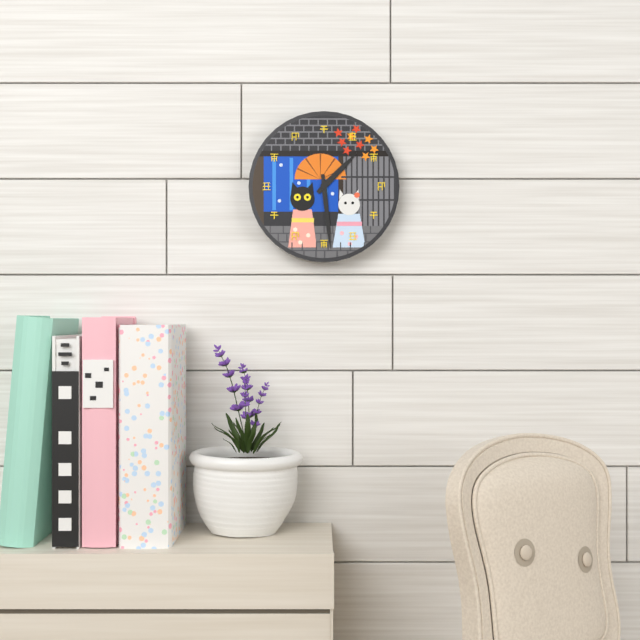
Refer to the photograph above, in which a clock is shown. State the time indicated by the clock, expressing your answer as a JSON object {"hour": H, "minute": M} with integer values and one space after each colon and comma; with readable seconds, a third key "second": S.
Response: {"hour": 1, "minute": 29}
